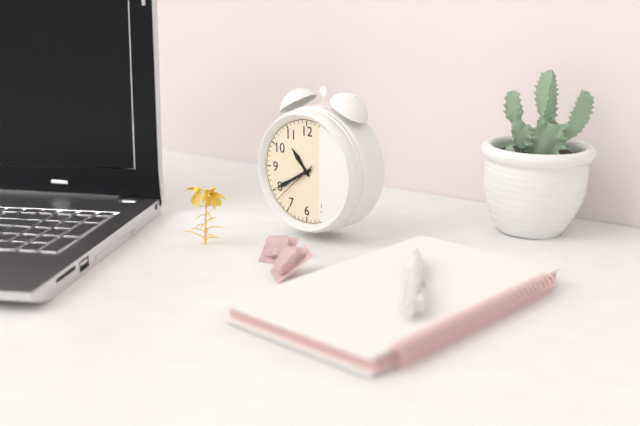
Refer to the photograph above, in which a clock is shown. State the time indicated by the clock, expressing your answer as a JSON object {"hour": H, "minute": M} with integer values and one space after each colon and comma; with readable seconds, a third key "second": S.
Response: {"hour": 10, "minute": 40}
